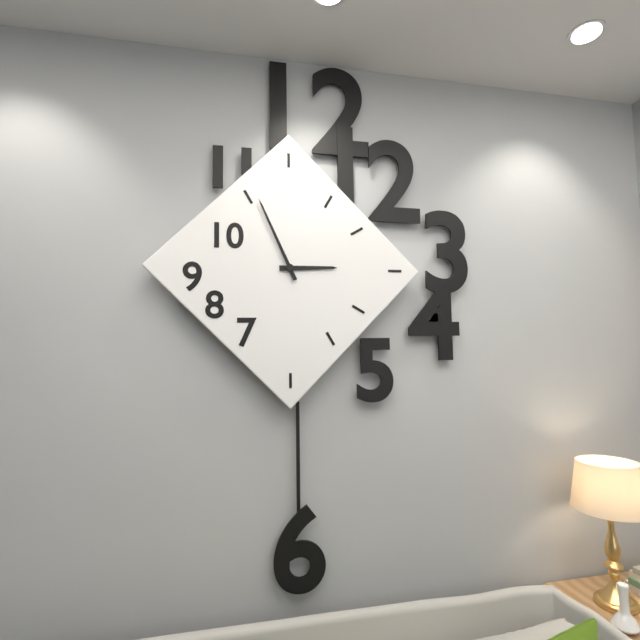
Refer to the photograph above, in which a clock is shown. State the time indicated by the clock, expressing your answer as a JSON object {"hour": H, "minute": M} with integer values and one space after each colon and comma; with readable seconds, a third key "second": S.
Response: {"hour": 2, "minute": 56}
